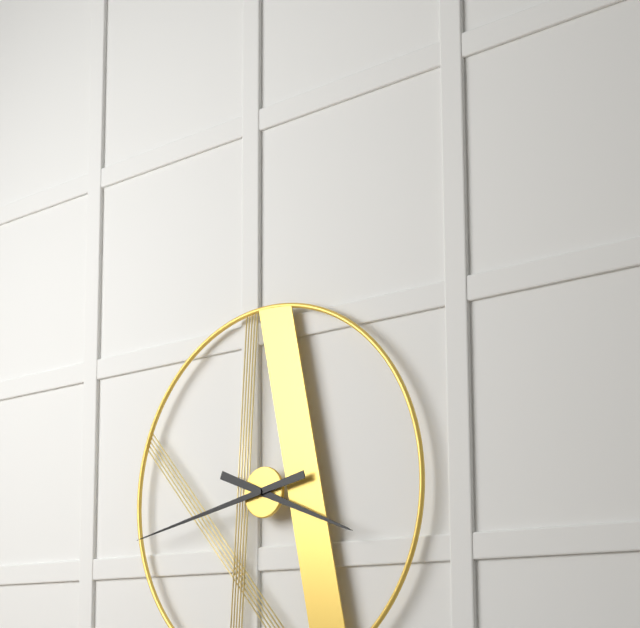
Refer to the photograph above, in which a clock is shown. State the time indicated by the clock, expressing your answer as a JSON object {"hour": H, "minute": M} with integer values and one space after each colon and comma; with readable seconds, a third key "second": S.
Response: {"hour": 3, "minute": 43}
